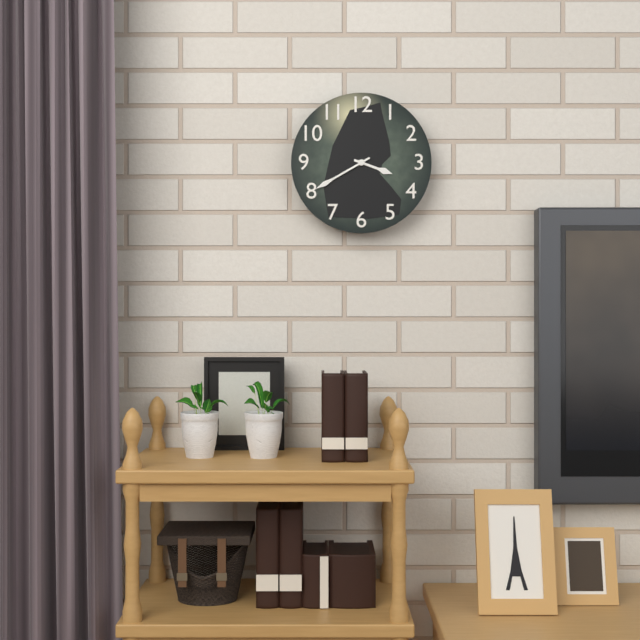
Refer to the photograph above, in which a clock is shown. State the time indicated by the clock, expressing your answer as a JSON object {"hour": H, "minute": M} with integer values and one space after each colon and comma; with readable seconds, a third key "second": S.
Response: {"hour": 3, "minute": 40}
